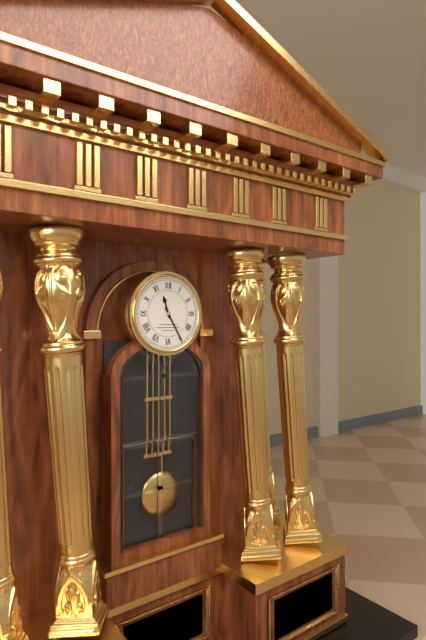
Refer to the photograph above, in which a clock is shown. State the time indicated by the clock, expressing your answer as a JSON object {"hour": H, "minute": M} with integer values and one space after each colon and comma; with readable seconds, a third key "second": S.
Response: {"hour": 11, "minute": 25}
